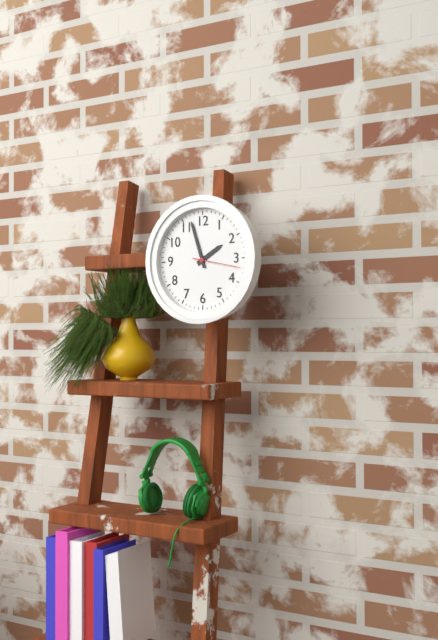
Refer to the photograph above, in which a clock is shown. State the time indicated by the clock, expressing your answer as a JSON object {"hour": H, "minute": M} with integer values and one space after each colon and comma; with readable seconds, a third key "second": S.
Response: {"hour": 1, "minute": 57}
